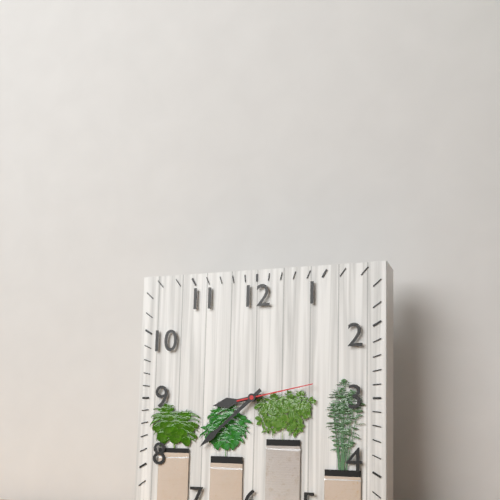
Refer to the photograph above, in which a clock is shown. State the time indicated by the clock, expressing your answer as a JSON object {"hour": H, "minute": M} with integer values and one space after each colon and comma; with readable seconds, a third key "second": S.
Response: {"hour": 8, "minute": 38, "second": 13}
